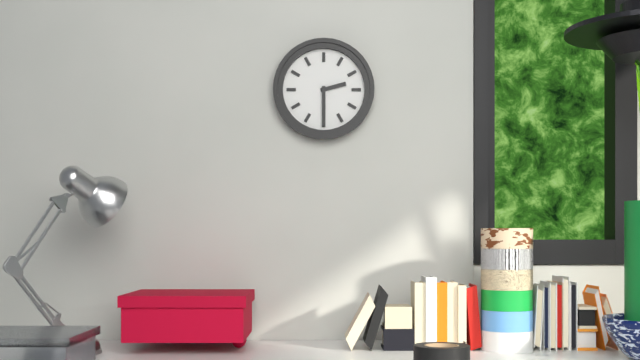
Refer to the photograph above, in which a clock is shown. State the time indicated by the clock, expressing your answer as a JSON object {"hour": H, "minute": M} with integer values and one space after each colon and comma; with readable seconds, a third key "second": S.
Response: {"hour": 2, "minute": 30}
